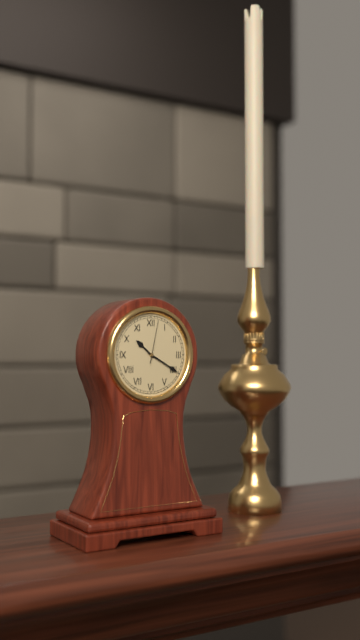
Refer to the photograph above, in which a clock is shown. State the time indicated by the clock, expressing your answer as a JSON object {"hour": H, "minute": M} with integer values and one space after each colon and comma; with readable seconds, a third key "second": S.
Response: {"hour": 10, "minute": 20, "second": 2}
